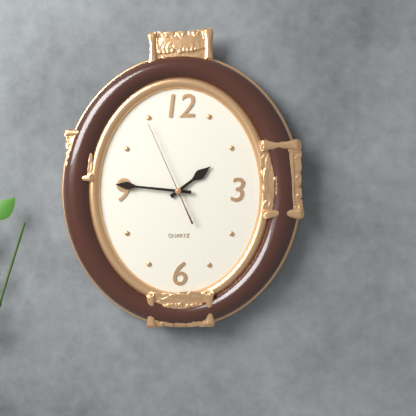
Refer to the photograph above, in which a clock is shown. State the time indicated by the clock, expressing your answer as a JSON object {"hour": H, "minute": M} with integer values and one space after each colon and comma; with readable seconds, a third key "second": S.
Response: {"hour": 1, "minute": 46, "second": 56}
